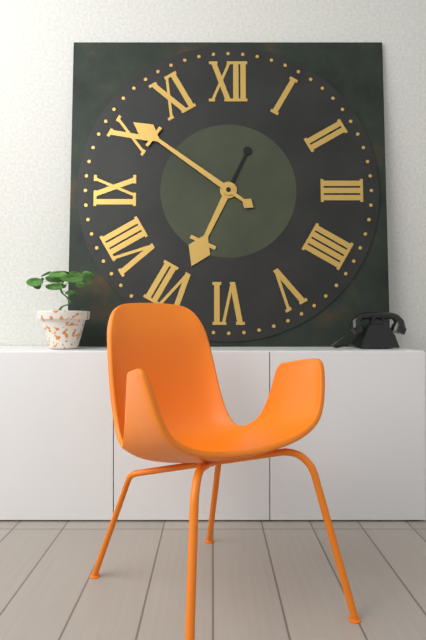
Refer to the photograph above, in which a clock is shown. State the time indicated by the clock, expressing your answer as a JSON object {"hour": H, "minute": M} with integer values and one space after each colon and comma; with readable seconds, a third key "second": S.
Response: {"hour": 6, "minute": 51}
